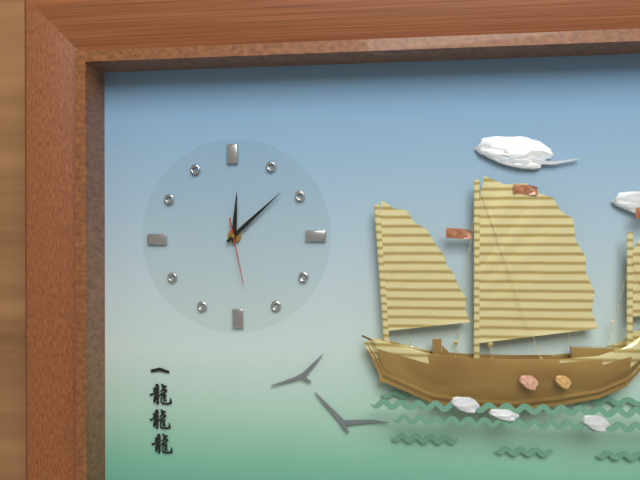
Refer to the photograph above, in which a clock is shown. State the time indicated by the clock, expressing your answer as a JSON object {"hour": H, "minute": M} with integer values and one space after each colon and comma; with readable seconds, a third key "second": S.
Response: {"hour": 12, "minute": 8, "second": 28}
